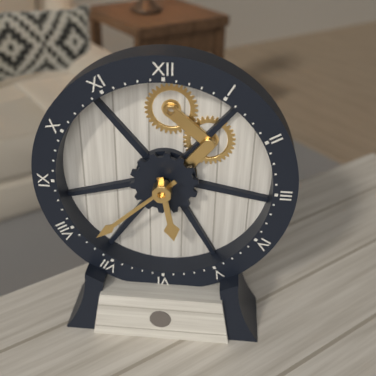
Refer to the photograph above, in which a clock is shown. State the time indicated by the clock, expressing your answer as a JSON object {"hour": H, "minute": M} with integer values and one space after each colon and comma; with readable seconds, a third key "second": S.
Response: {"hour": 5, "minute": 38}
